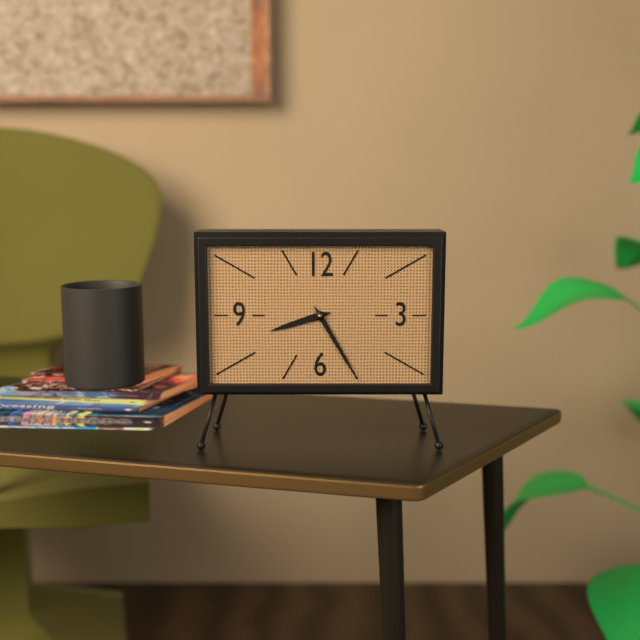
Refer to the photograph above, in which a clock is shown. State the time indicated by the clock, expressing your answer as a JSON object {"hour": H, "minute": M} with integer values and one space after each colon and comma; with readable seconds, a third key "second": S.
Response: {"hour": 8, "minute": 25}
